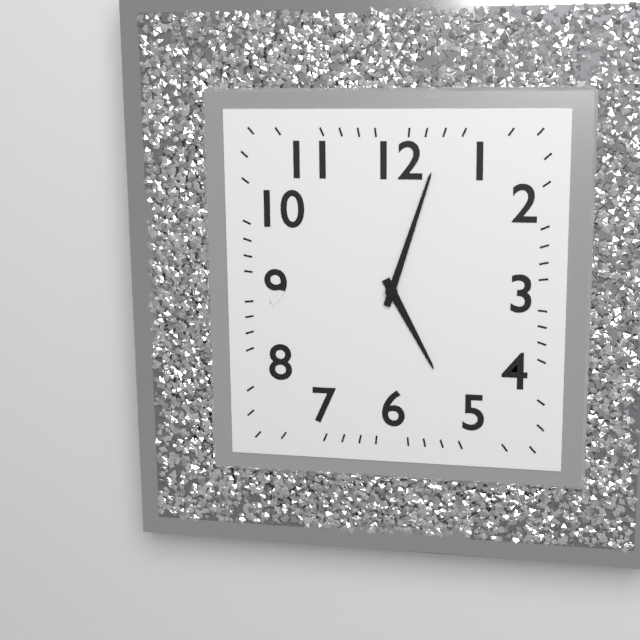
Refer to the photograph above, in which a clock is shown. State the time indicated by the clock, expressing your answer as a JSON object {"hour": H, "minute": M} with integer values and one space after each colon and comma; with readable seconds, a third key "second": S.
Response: {"hour": 5, "minute": 3}
